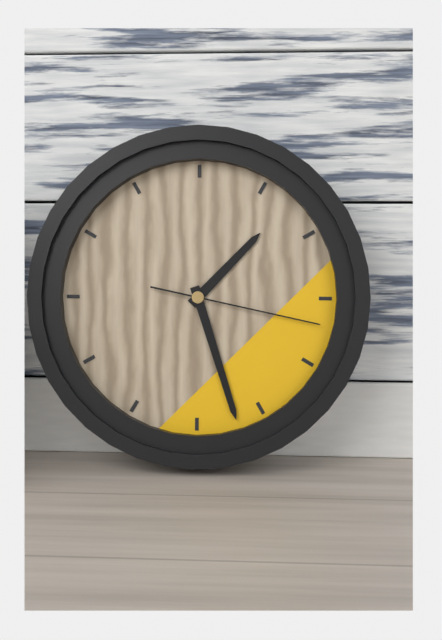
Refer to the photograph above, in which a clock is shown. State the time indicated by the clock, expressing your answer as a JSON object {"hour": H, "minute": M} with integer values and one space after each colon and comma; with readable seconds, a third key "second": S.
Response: {"hour": 1, "minute": 27, "second": 17}
